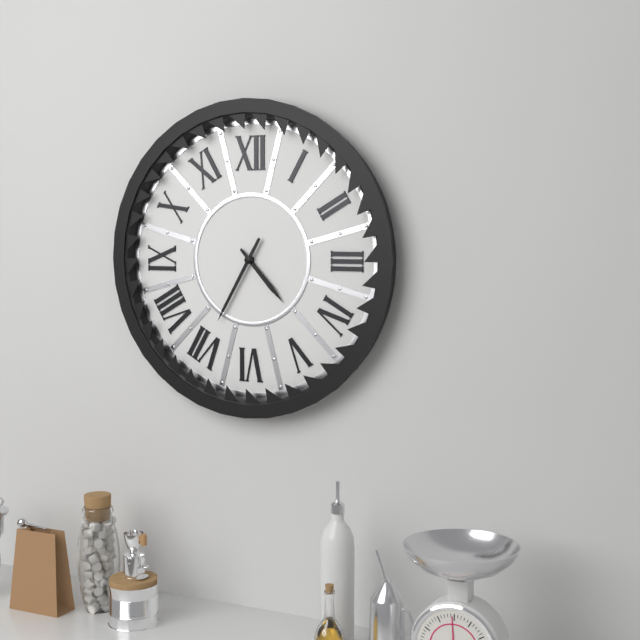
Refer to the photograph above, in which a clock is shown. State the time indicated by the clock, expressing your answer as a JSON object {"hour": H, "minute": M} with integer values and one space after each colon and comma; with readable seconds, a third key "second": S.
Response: {"hour": 4, "minute": 35}
